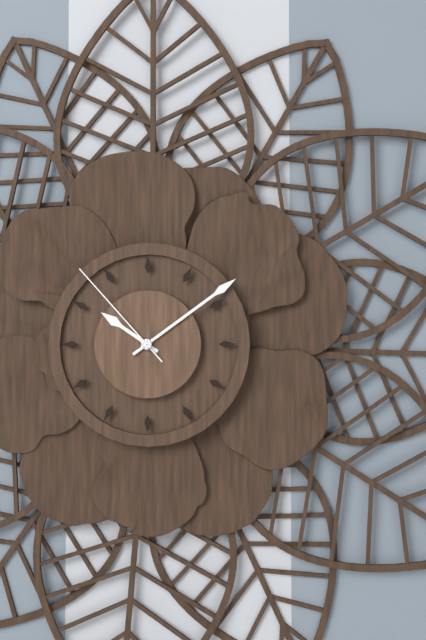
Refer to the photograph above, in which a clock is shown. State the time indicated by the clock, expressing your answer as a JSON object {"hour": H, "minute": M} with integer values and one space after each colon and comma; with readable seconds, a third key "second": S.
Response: {"hour": 10, "minute": 9, "second": 53}
